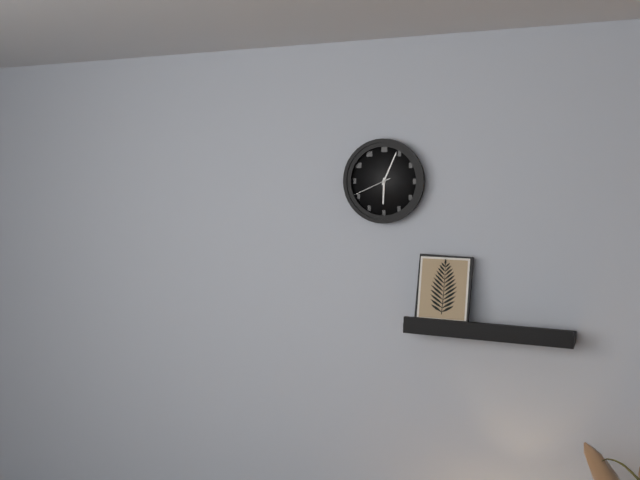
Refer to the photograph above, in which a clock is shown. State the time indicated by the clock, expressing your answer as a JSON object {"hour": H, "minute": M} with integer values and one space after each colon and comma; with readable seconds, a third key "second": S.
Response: {"hour": 6, "minute": 4}
